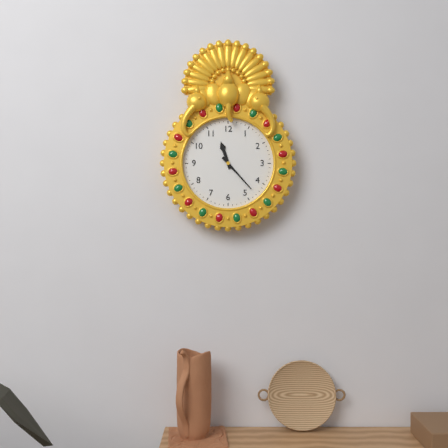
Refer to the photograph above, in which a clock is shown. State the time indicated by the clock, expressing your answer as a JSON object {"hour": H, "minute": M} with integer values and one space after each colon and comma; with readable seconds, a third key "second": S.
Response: {"hour": 11, "minute": 23}
